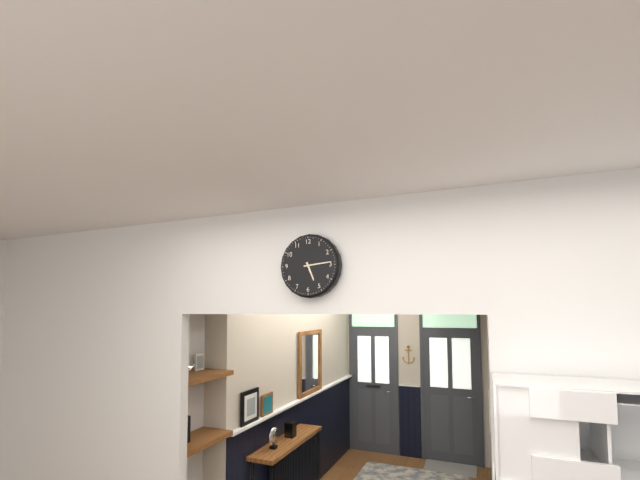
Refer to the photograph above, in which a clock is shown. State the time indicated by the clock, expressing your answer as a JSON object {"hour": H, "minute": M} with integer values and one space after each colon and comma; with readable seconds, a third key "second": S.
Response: {"hour": 5, "minute": 14}
